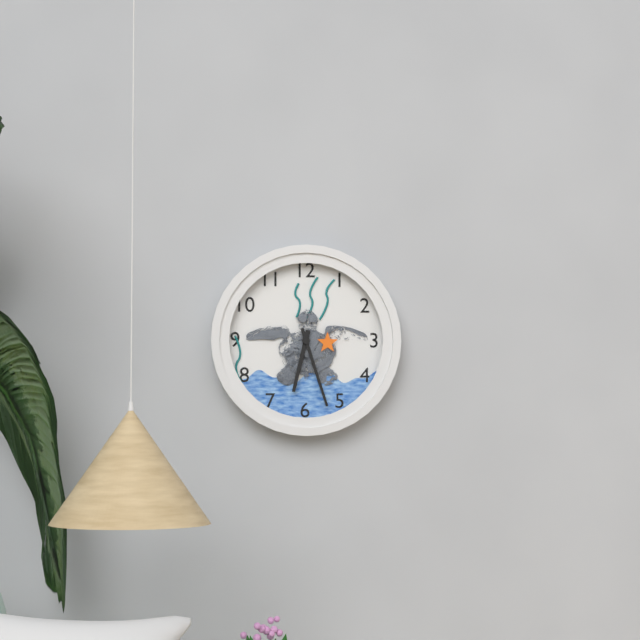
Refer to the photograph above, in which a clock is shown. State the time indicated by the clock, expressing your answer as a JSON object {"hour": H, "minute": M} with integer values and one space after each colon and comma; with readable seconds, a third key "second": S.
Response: {"hour": 6, "minute": 27}
